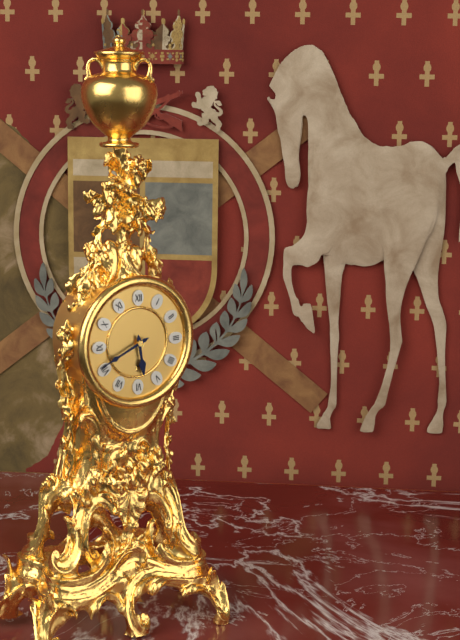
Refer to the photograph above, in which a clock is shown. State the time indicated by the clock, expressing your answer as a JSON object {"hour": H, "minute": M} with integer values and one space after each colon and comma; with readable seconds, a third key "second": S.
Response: {"hour": 5, "minute": 41}
